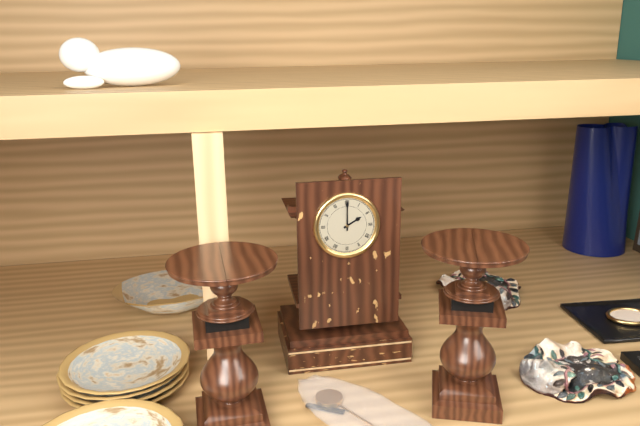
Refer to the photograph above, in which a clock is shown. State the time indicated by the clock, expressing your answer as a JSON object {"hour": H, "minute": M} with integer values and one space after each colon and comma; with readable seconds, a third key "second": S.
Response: {"hour": 2, "minute": 0}
